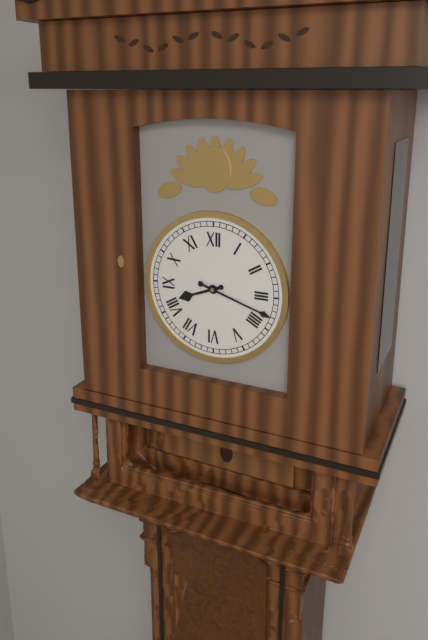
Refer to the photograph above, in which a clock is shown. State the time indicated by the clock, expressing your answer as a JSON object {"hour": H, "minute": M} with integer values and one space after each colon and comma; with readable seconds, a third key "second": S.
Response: {"hour": 8, "minute": 18}
